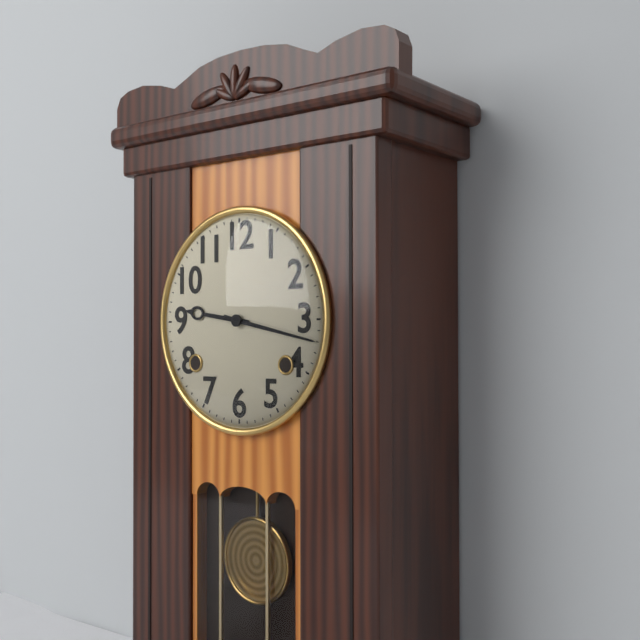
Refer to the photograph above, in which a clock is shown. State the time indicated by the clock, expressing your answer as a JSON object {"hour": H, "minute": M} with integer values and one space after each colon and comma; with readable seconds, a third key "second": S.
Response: {"hour": 9, "minute": 17}
